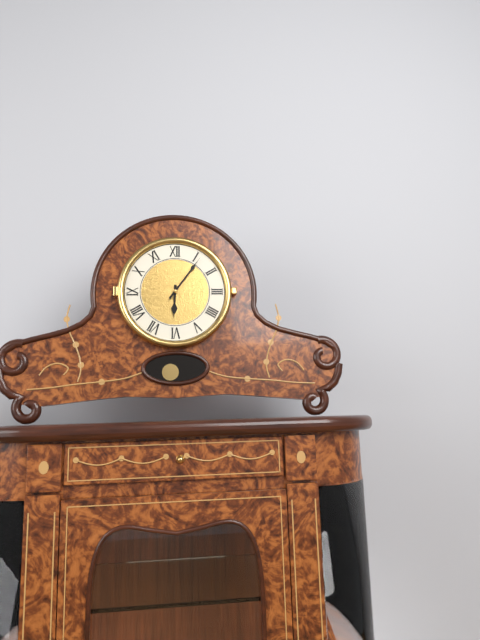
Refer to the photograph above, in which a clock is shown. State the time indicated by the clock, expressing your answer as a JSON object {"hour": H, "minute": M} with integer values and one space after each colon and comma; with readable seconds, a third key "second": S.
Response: {"hour": 6, "minute": 6}
